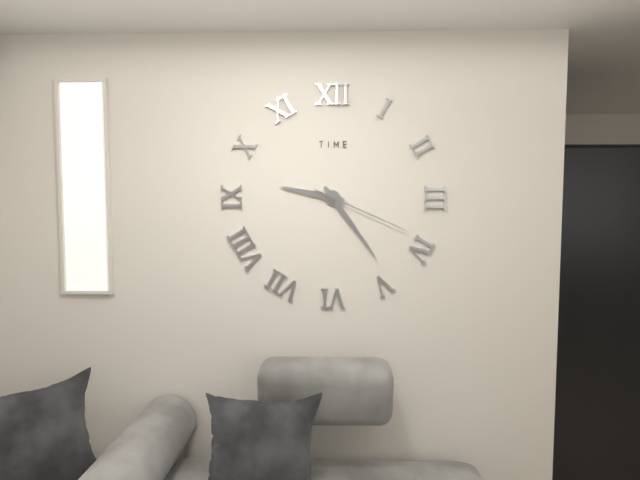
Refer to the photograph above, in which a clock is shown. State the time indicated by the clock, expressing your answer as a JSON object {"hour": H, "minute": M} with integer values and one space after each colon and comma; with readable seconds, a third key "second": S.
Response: {"hour": 9, "minute": 24, "second": 19}
